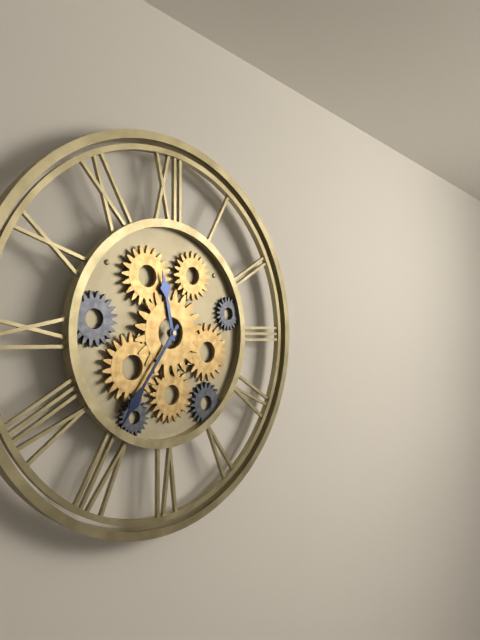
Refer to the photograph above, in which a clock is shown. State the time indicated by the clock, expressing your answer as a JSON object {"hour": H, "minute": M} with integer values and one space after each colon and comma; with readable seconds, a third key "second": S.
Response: {"hour": 11, "minute": 36}
